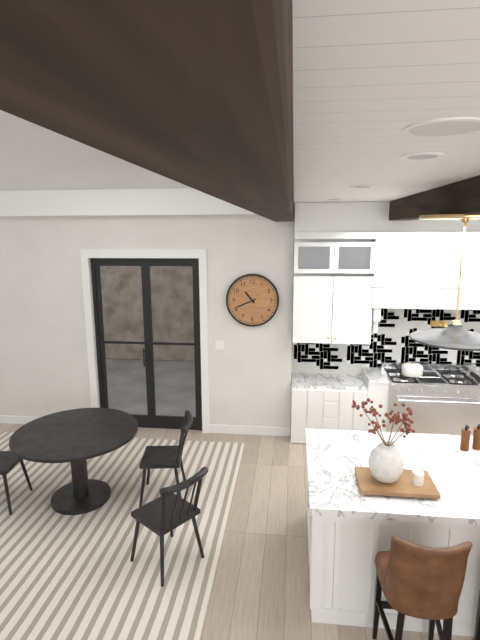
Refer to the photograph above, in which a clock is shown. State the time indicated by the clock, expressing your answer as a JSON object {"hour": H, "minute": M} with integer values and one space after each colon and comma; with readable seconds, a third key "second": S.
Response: {"hour": 10, "minute": 41}
